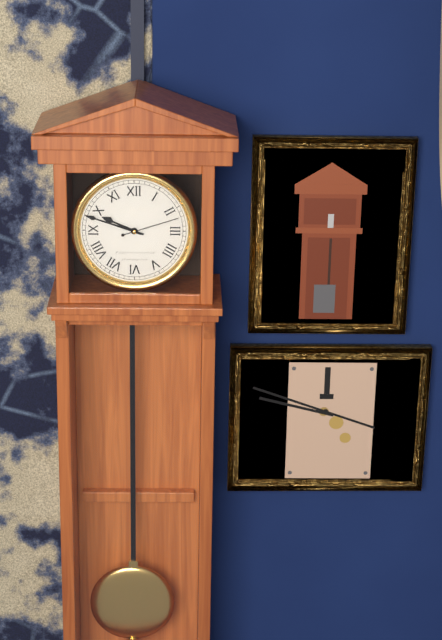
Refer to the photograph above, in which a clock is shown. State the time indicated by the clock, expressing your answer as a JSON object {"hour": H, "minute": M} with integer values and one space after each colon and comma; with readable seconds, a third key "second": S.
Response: {"hour": 9, "minute": 48, "second": 12}
